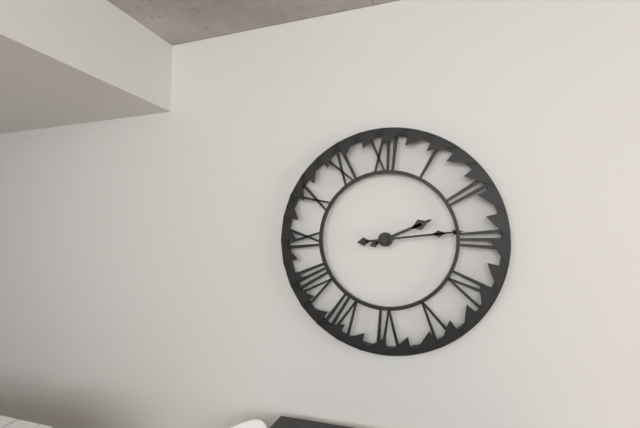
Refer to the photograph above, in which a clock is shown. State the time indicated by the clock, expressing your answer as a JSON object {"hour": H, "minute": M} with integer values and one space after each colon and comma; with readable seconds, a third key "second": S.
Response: {"hour": 2, "minute": 14}
